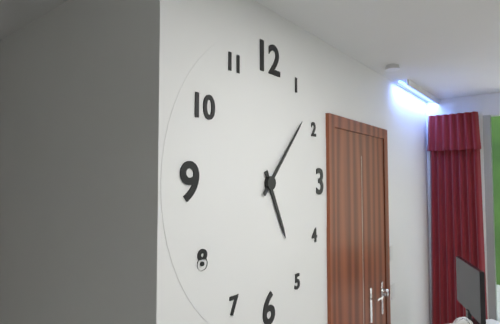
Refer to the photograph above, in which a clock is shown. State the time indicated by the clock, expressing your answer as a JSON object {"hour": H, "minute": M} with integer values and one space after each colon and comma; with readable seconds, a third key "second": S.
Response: {"hour": 5, "minute": 7}
